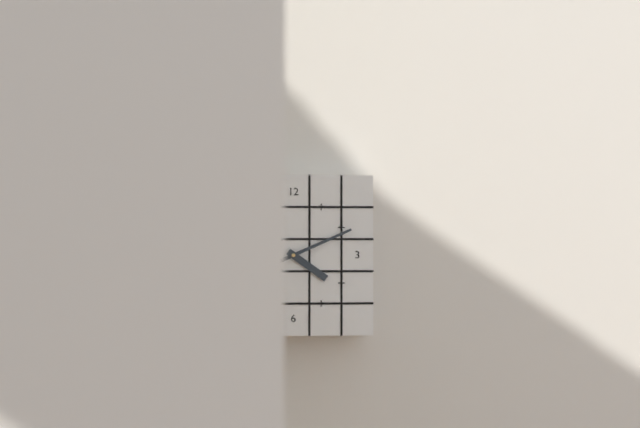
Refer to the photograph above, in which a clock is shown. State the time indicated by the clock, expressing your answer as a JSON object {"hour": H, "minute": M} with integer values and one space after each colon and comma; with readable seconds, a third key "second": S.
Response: {"hour": 4, "minute": 11}
